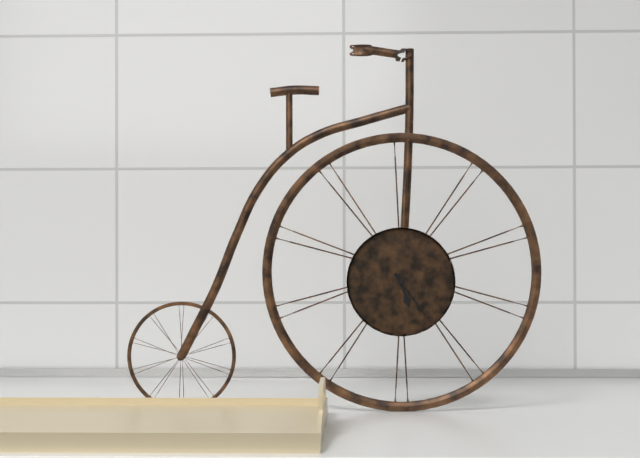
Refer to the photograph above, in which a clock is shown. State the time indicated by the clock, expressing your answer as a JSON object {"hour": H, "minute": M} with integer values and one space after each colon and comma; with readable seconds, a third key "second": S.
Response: {"hour": 5, "minute": 24}
